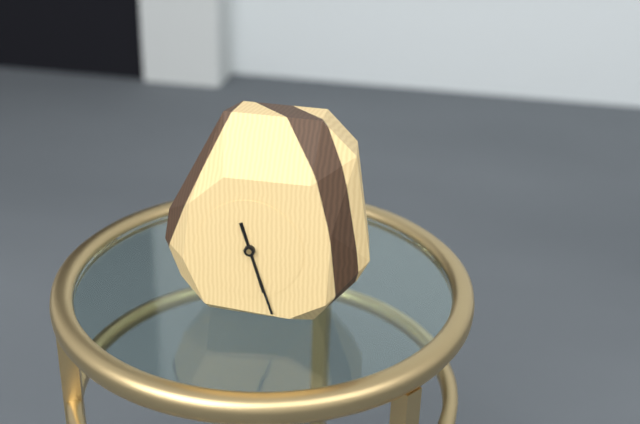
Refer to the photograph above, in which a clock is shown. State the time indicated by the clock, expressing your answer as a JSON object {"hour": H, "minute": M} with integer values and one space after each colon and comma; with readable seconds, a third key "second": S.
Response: {"hour": 5, "minute": 27}
